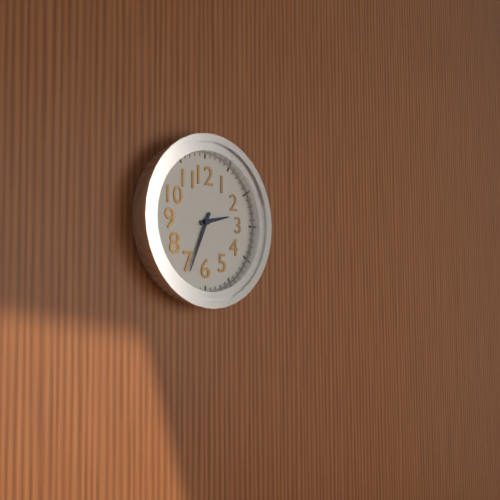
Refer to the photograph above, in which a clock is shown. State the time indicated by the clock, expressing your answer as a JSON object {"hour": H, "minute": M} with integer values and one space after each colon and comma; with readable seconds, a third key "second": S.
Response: {"hour": 2, "minute": 34}
